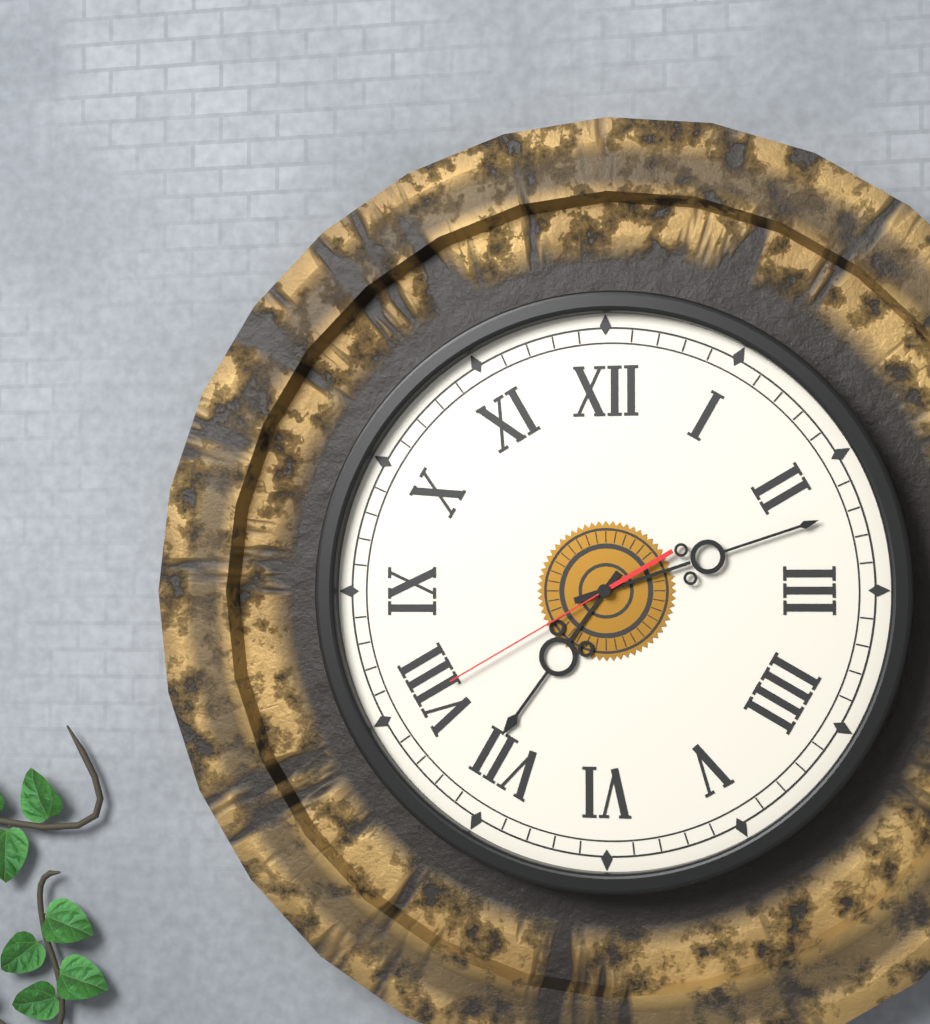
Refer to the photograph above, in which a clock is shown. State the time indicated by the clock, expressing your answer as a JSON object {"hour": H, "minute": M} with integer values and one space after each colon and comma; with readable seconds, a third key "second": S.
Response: {"hour": 7, "minute": 12, "second": 40}
